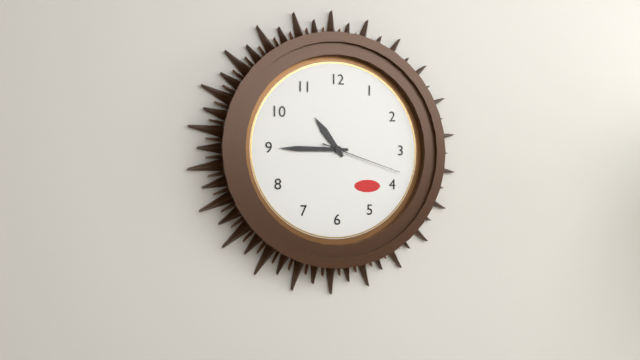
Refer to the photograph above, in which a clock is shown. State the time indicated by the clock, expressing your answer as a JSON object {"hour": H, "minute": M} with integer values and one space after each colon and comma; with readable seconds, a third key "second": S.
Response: {"hour": 10, "minute": 45, "second": 18}
